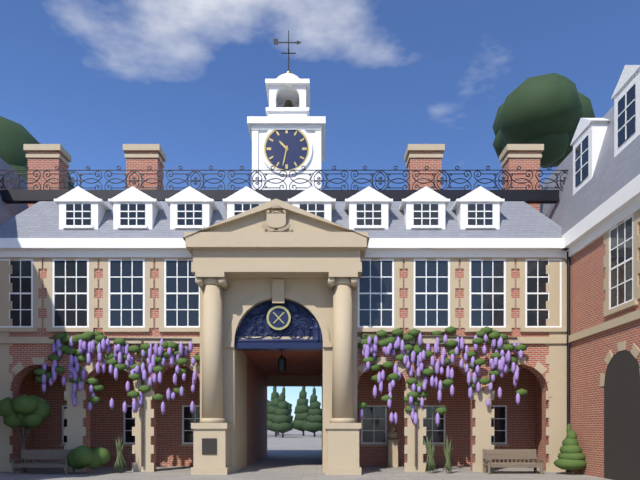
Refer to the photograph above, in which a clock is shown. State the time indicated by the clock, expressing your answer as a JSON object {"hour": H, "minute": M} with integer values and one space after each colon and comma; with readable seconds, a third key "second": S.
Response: {"hour": 10, "minute": 32}
